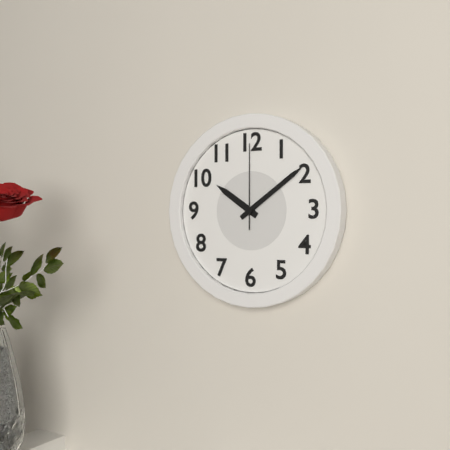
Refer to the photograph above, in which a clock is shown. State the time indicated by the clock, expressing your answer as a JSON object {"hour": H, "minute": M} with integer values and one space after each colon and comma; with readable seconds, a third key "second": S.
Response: {"hour": 10, "minute": 9, "second": 0}
